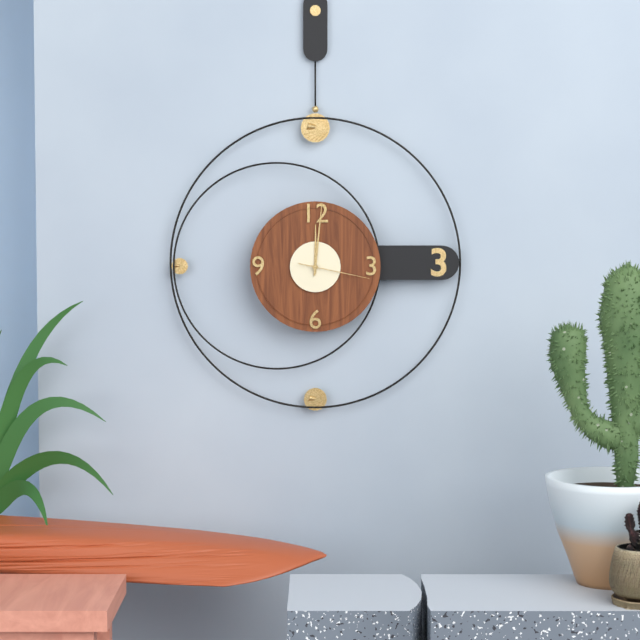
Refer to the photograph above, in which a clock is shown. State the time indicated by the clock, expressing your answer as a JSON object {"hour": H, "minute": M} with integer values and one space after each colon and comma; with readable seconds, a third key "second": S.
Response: {"hour": 12, "minute": 1, "second": 17}
